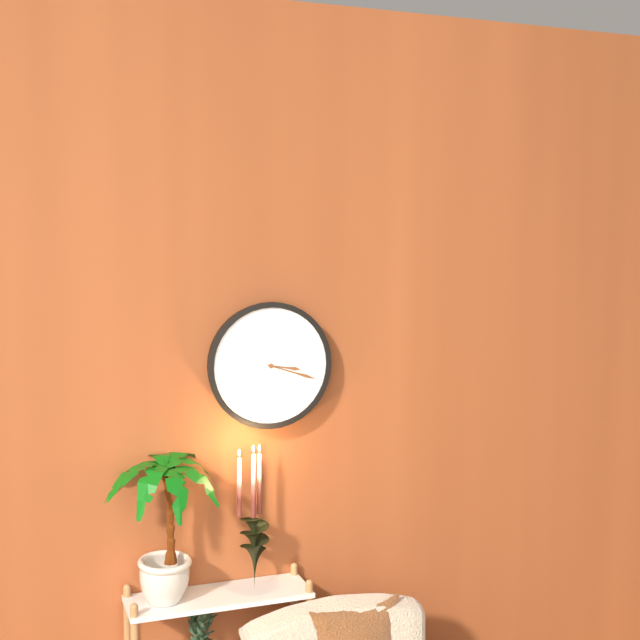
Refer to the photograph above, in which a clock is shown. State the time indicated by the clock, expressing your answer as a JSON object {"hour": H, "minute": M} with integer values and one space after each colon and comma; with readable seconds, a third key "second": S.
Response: {"hour": 3, "minute": 18}
